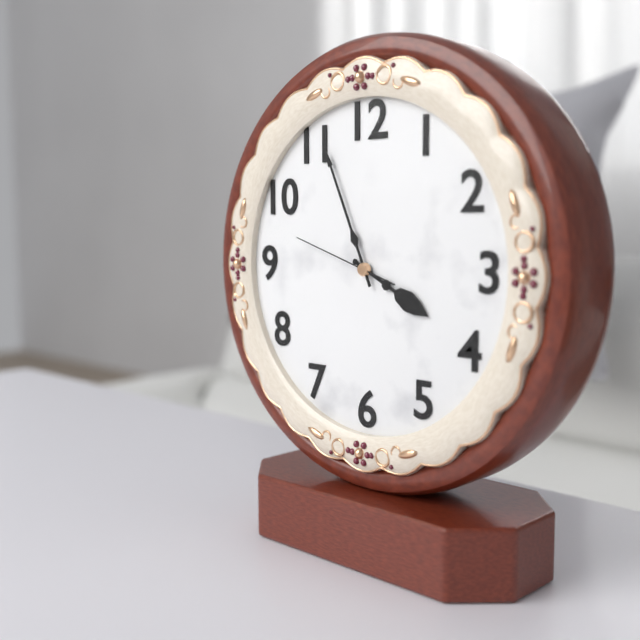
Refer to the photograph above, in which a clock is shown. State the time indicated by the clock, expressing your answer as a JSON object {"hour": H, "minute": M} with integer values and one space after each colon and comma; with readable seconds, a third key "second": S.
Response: {"hour": 3, "minute": 56, "second": 48}
